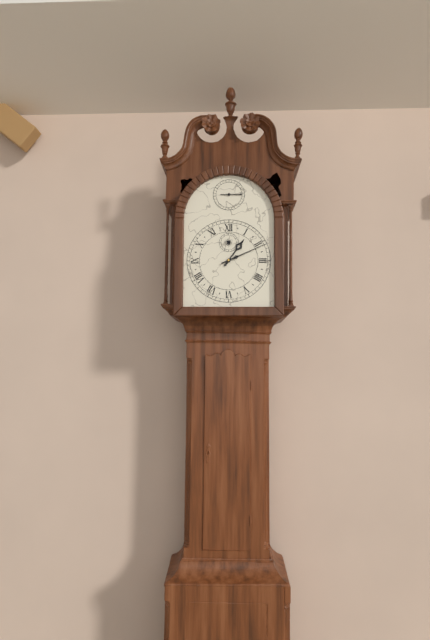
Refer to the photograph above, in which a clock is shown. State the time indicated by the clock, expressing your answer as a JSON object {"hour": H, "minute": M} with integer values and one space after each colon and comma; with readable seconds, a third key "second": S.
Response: {"hour": 1, "minute": 11}
